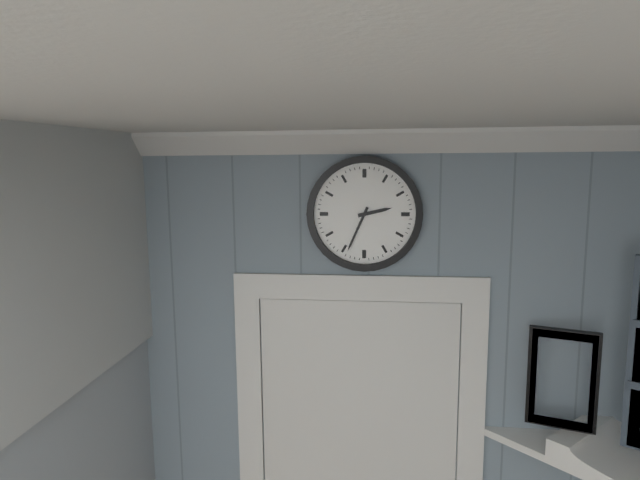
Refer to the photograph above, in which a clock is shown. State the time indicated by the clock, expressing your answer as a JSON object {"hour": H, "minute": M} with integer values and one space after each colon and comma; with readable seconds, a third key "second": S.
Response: {"hour": 2, "minute": 34}
